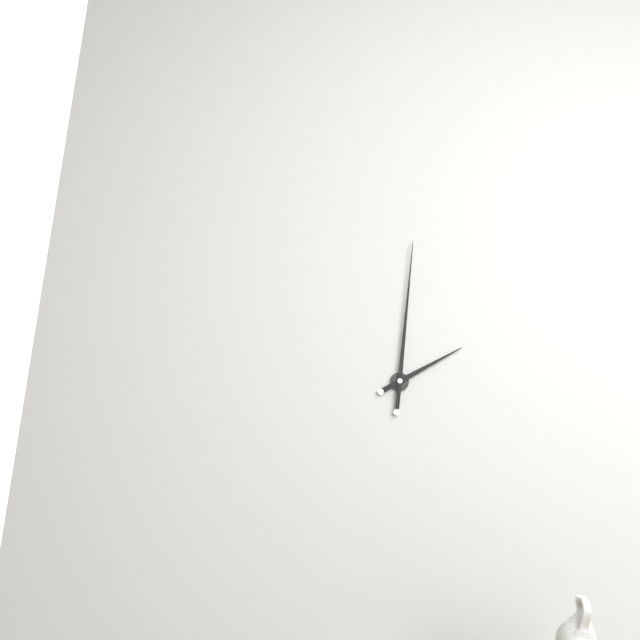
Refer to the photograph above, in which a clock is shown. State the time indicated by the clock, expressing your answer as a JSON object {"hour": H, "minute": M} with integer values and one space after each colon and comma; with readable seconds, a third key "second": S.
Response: {"hour": 2, "minute": 1}
